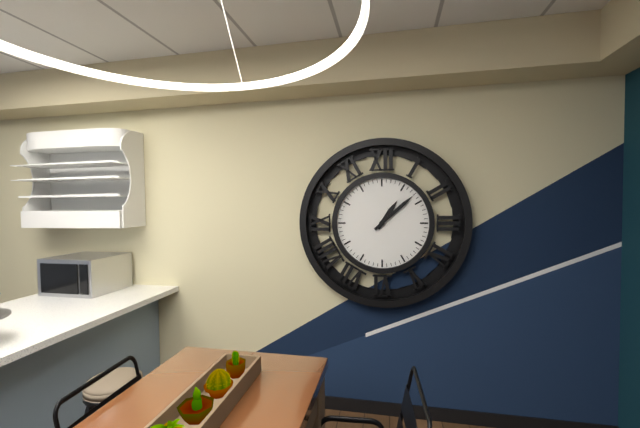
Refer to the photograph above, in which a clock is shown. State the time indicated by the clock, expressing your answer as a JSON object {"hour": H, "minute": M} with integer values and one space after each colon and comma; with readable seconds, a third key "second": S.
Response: {"hour": 1, "minute": 8}
